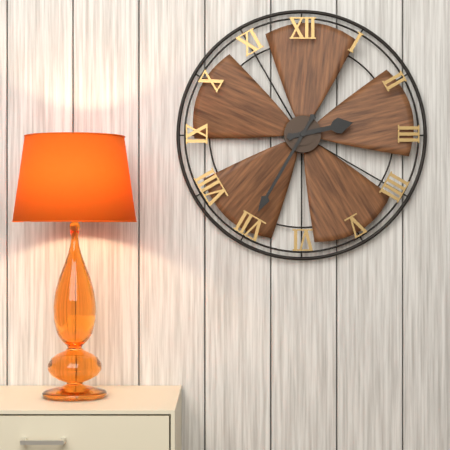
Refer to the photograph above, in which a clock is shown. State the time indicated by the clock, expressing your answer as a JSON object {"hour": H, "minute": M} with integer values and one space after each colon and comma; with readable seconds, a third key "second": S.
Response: {"hour": 2, "minute": 35}
